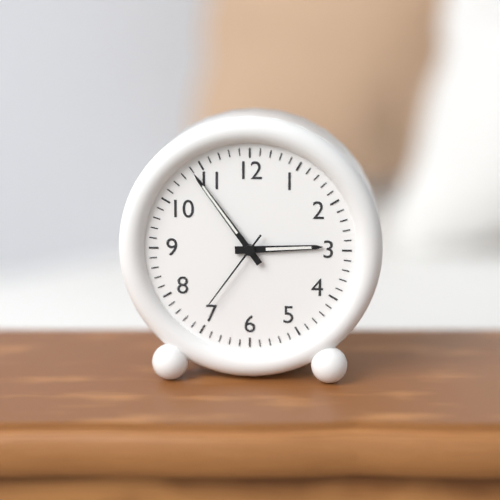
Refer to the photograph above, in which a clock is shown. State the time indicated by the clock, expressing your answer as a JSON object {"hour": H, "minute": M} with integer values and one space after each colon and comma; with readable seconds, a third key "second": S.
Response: {"hour": 2, "minute": 54, "second": 36}
